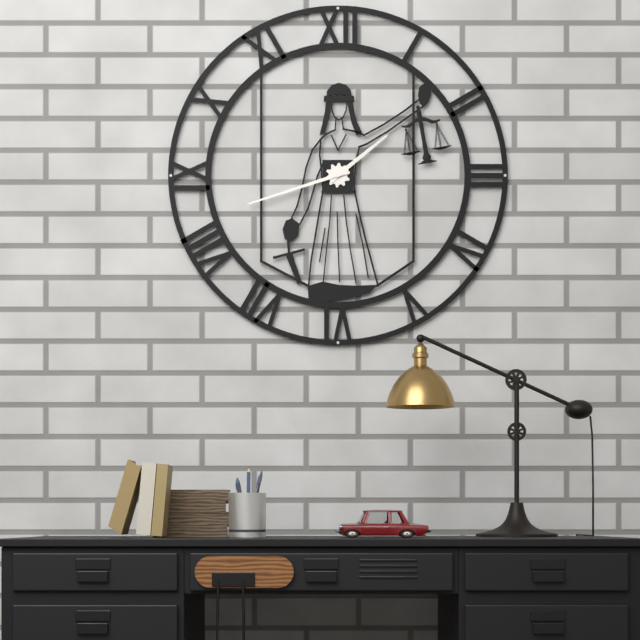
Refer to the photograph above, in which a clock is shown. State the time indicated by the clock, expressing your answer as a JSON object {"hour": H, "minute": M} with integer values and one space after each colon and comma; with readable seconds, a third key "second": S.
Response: {"hour": 1, "minute": 42}
